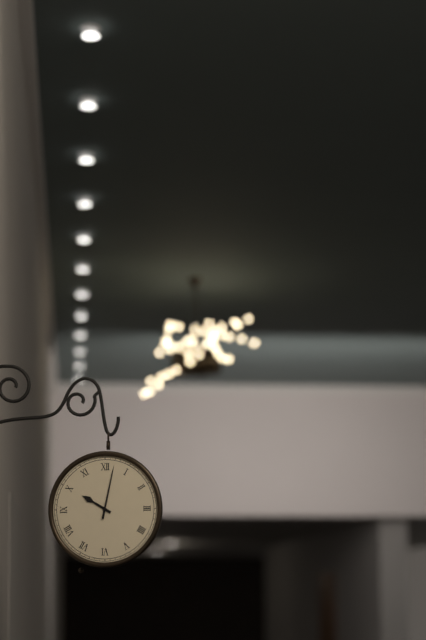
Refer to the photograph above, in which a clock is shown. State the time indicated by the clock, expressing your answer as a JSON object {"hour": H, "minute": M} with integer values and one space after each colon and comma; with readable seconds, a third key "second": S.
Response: {"hour": 10, "minute": 2}
